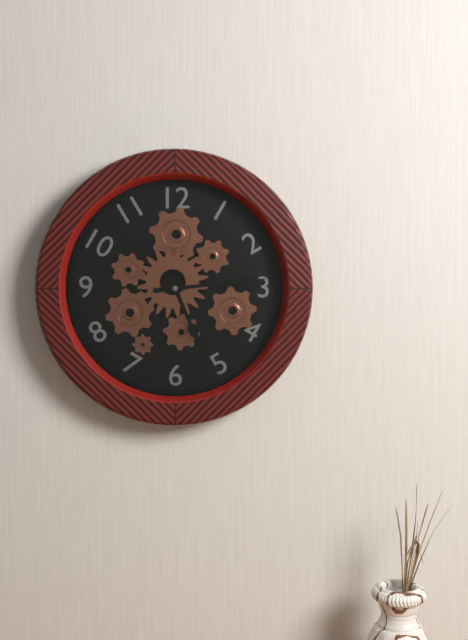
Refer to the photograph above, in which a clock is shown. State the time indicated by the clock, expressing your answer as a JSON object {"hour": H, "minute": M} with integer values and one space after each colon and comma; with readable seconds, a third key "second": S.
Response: {"hour": 5, "minute": 14}
